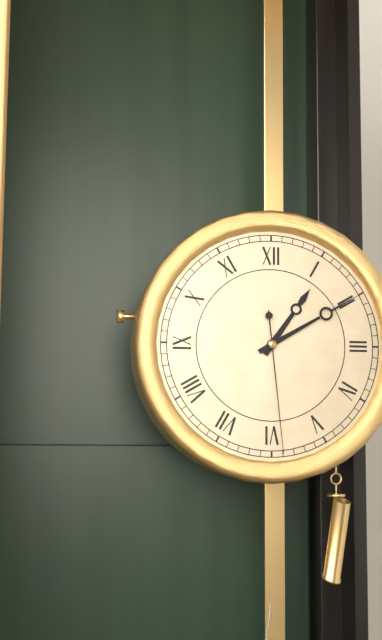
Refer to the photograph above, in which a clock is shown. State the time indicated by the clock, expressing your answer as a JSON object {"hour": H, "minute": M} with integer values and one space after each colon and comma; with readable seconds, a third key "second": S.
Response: {"hour": 1, "minute": 10, "second": 29}
